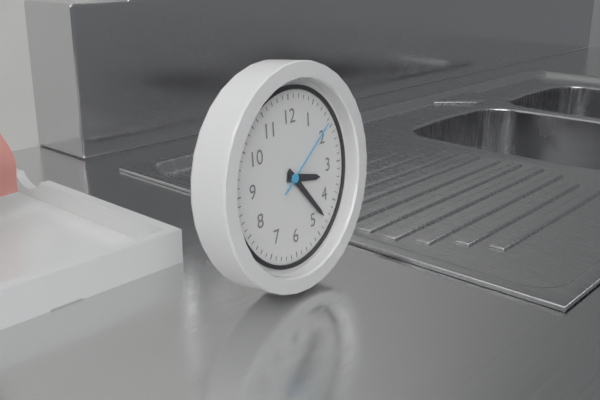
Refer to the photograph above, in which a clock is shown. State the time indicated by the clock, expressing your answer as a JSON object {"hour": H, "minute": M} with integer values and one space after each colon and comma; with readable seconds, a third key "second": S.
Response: {"hour": 3, "minute": 23, "second": 9}
